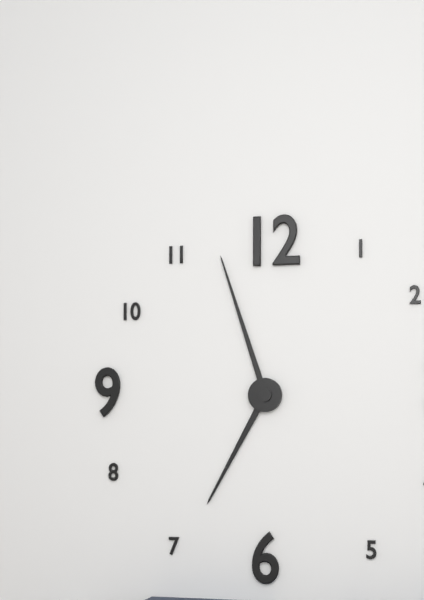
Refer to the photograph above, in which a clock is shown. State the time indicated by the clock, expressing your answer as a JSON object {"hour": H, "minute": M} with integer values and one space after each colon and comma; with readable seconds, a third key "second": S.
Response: {"hour": 6, "minute": 57}
